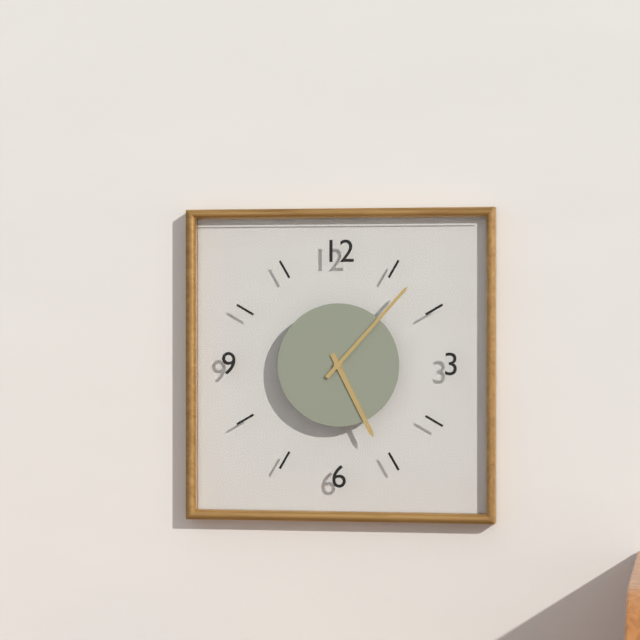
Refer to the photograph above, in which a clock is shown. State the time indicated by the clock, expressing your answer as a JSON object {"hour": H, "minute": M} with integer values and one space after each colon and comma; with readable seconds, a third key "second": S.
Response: {"hour": 5, "minute": 7}
